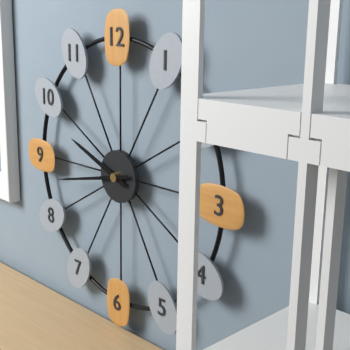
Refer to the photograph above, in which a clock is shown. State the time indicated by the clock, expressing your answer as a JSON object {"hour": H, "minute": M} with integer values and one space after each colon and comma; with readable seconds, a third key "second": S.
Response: {"hour": 9, "minute": 43}
